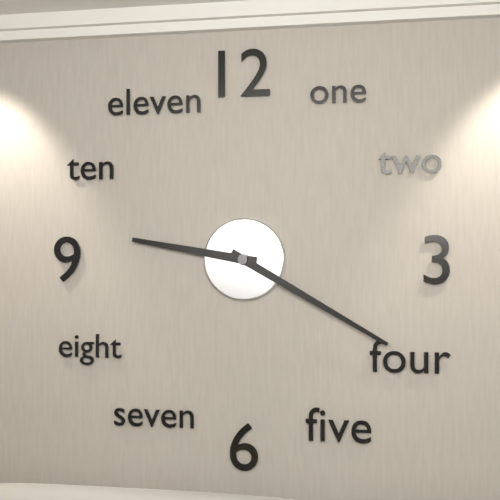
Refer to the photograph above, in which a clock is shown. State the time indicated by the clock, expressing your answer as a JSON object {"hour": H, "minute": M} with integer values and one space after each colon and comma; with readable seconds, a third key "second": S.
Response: {"hour": 9, "minute": 20}
